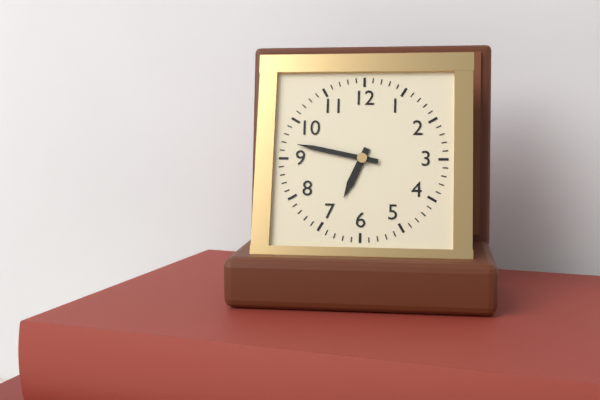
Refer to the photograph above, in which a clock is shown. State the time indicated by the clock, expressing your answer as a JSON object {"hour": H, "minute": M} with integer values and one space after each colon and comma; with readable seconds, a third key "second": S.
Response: {"hour": 6, "minute": 47}
